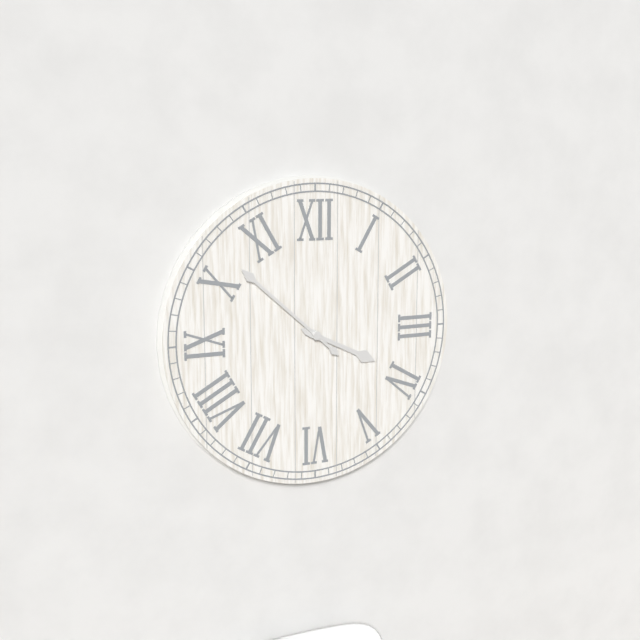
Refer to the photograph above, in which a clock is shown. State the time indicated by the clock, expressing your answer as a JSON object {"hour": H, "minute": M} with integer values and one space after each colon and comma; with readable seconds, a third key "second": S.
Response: {"hour": 3, "minute": 52}
